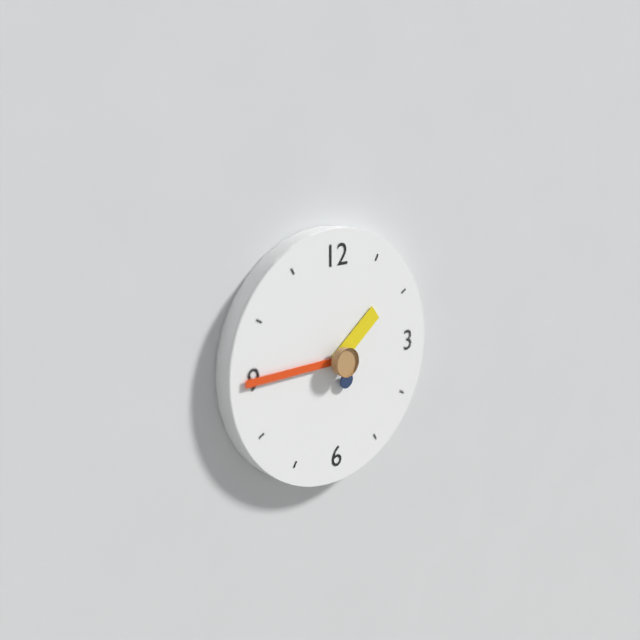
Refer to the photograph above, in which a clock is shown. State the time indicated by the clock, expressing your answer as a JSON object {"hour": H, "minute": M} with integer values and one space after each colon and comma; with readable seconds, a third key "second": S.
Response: {"hour": 1, "minute": 45}
